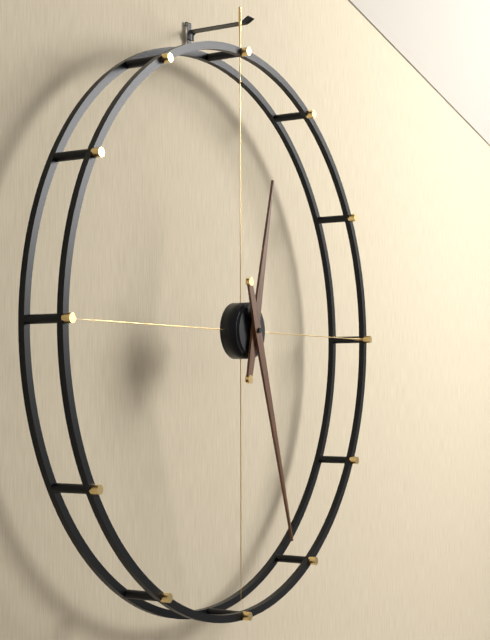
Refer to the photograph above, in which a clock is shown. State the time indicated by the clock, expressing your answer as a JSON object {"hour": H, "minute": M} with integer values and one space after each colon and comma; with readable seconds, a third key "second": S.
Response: {"hour": 12, "minute": 27}
